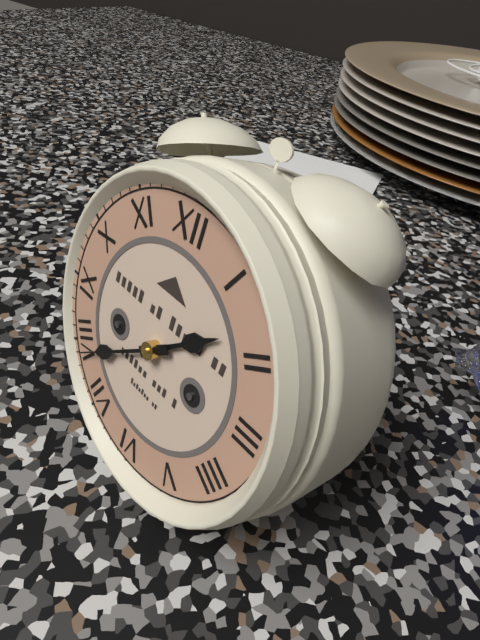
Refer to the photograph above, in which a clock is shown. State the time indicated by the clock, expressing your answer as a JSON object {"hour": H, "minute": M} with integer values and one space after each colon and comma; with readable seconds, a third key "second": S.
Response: {"hour": 1, "minute": 39}
